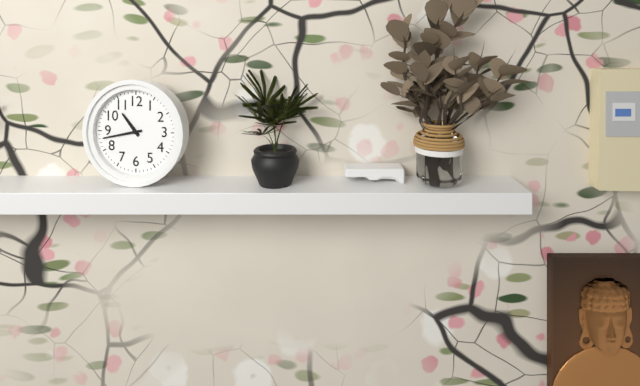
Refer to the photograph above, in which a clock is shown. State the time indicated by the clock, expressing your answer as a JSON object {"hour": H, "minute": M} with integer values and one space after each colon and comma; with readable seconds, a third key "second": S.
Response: {"hour": 10, "minute": 43}
